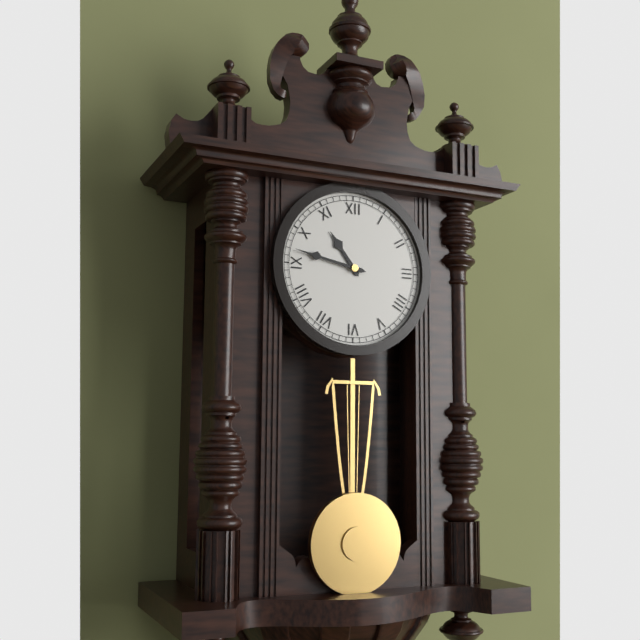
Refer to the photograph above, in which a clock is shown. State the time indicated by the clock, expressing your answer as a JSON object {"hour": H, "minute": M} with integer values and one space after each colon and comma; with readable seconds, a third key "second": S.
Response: {"hour": 10, "minute": 47}
